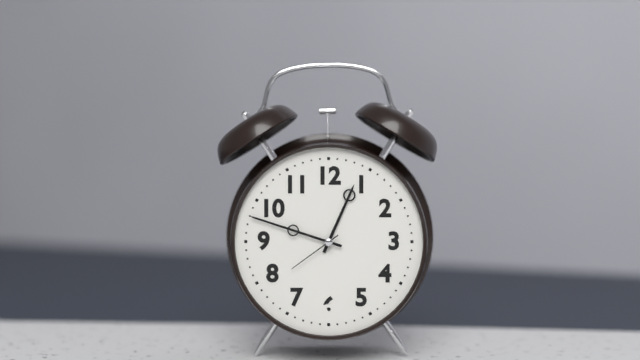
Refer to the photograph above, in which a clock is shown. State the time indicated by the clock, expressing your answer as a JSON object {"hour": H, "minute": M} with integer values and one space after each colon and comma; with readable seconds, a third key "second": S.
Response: {"hour": 12, "minute": 48, "second": 39}
